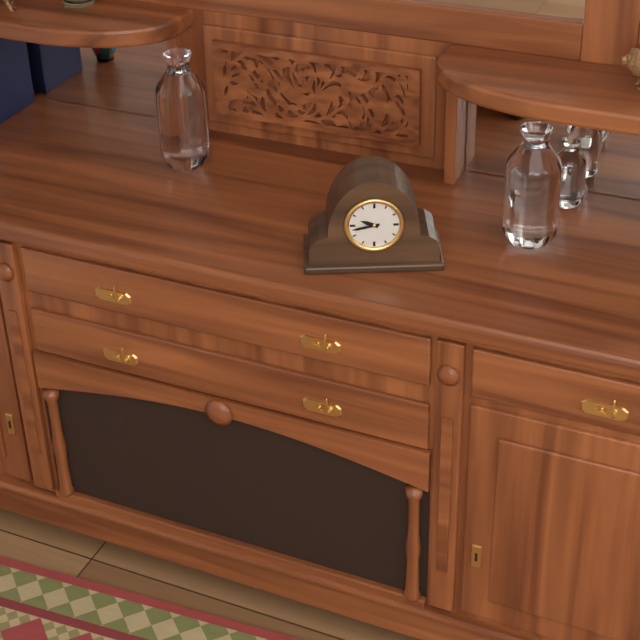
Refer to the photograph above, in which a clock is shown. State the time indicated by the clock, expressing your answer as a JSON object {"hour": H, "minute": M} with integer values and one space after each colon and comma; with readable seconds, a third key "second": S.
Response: {"hour": 9, "minute": 43}
